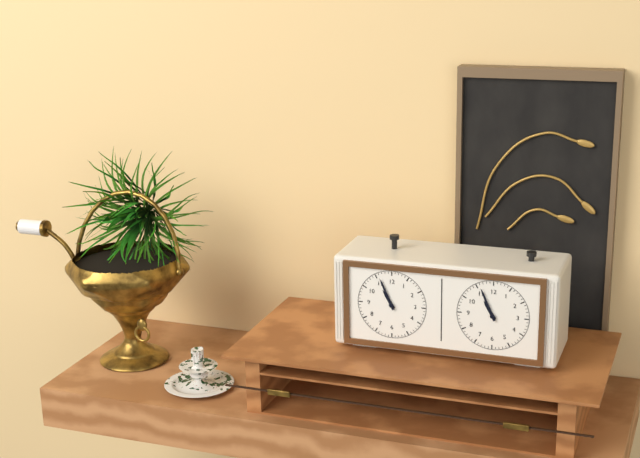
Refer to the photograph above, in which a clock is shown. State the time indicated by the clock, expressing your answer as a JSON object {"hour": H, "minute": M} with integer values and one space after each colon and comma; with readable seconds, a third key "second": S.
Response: {"hour": 10, "minute": 56}
